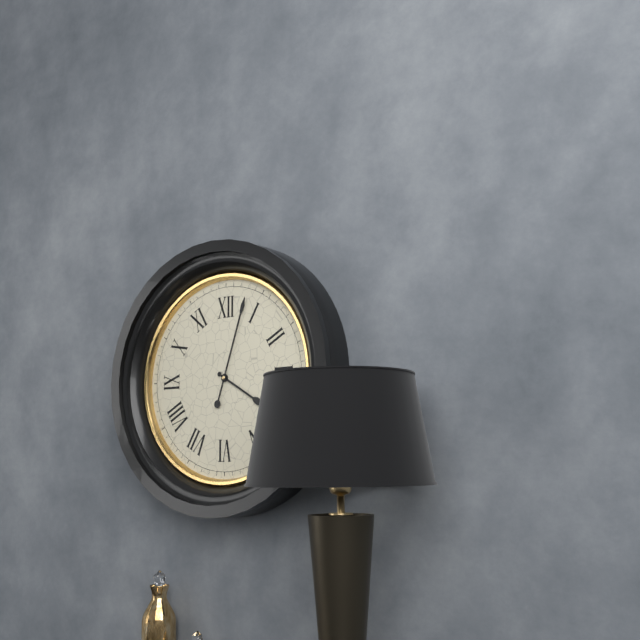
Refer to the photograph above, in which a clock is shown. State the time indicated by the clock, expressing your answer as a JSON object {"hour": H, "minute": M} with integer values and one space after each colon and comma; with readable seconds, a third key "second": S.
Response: {"hour": 4, "minute": 3}
